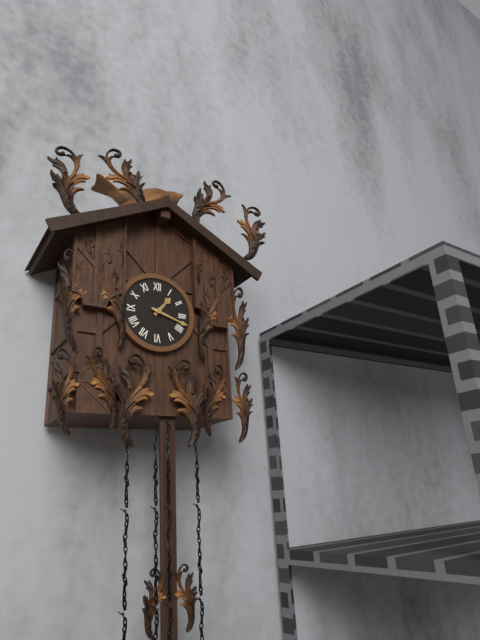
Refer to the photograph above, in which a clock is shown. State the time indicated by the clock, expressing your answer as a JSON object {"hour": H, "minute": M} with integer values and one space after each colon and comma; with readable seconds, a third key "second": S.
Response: {"hour": 1, "minute": 18}
